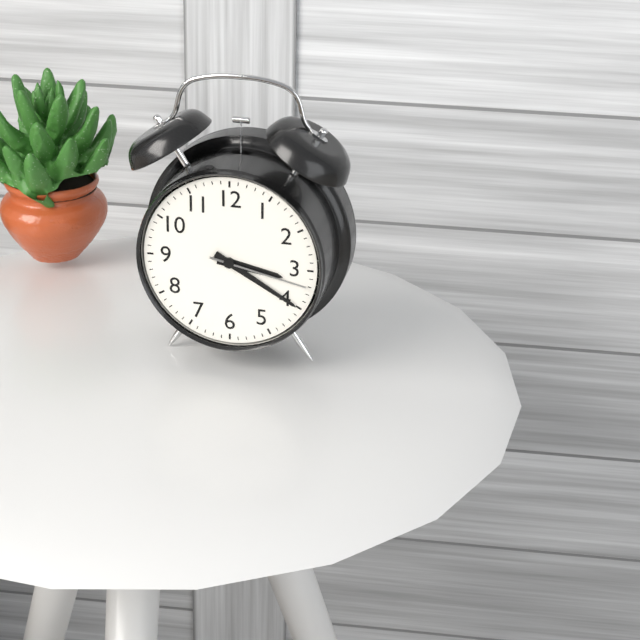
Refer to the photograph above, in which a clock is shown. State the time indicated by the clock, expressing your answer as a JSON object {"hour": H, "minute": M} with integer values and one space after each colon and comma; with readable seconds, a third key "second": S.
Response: {"hour": 3, "minute": 20, "second": 17}
